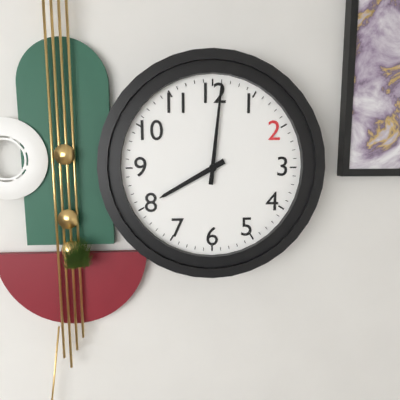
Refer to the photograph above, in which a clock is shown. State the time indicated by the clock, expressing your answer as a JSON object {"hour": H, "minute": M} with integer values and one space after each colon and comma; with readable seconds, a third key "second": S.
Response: {"hour": 8, "minute": 1}
